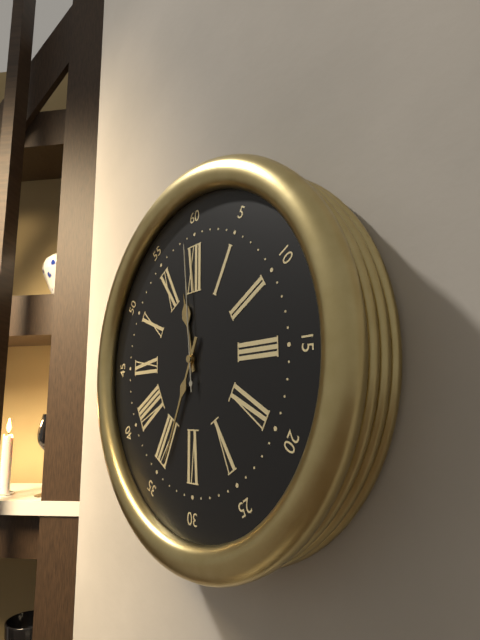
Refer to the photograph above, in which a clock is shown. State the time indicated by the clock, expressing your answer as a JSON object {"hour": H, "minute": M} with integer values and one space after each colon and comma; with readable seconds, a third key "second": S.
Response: {"hour": 11, "minute": 34, "second": 59}
